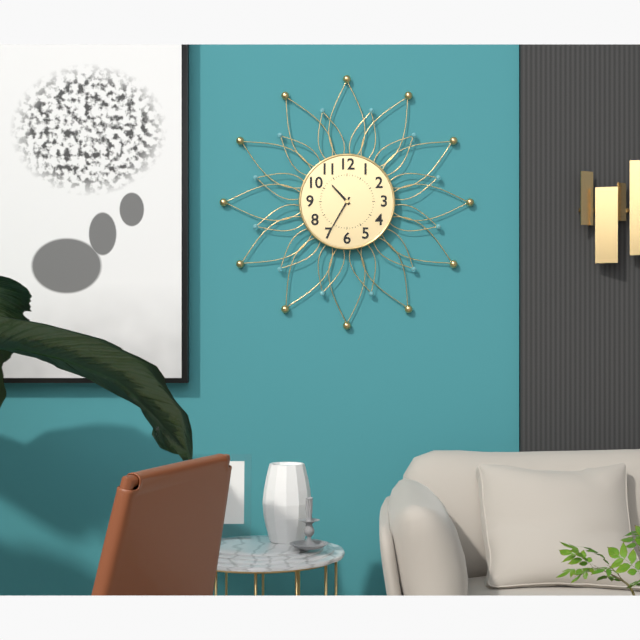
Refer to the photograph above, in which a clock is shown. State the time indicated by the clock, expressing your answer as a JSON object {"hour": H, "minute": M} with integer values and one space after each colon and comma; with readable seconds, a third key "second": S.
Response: {"hour": 10, "minute": 35}
